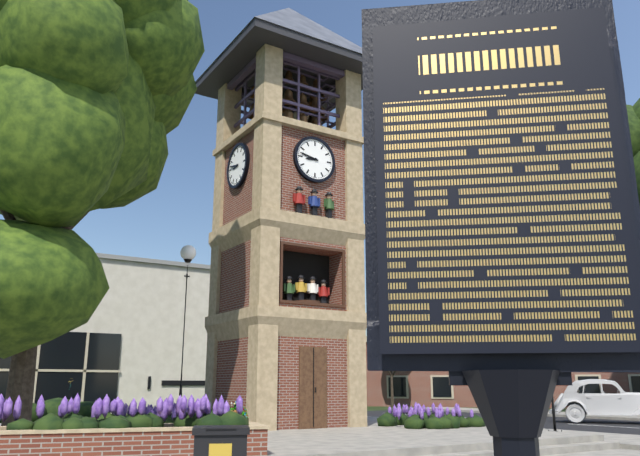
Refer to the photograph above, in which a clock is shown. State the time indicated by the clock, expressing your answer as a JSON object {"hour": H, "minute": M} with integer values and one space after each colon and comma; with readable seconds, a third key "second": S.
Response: {"hour": 8, "minute": 47}
